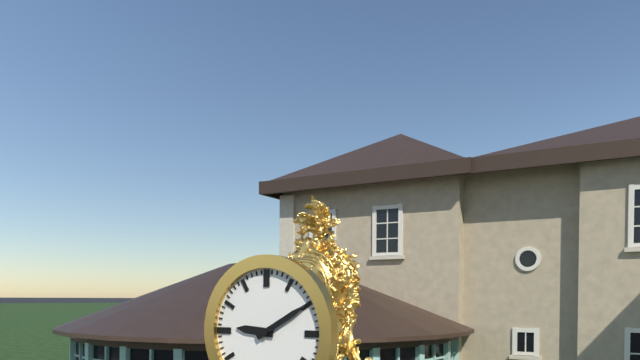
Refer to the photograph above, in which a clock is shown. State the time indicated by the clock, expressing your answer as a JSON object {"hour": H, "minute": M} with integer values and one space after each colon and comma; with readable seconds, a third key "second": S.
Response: {"hour": 9, "minute": 10}
